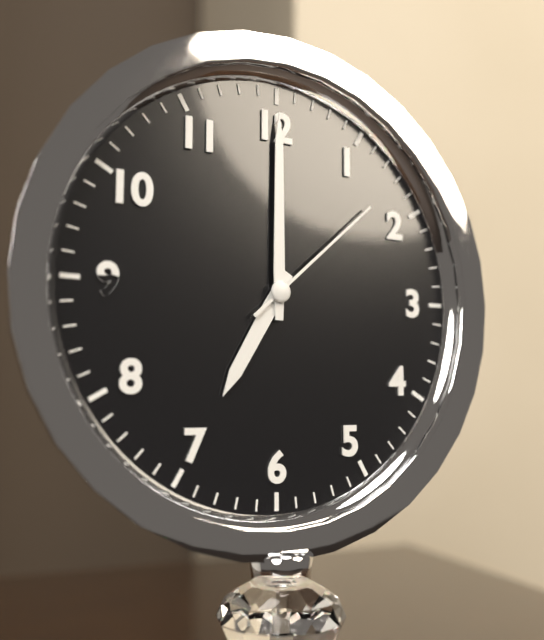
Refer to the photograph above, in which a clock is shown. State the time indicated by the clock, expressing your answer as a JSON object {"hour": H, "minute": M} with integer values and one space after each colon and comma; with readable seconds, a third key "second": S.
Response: {"hour": 7, "minute": 0, "second": 8}
